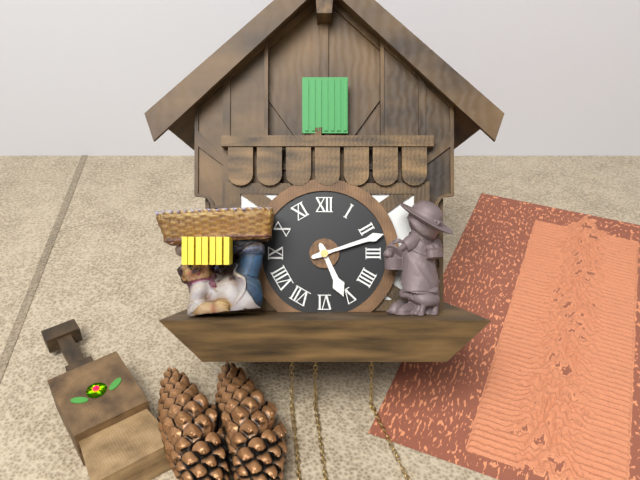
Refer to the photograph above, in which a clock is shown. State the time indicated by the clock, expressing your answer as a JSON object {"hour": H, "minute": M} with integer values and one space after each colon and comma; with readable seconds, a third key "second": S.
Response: {"hour": 5, "minute": 12}
